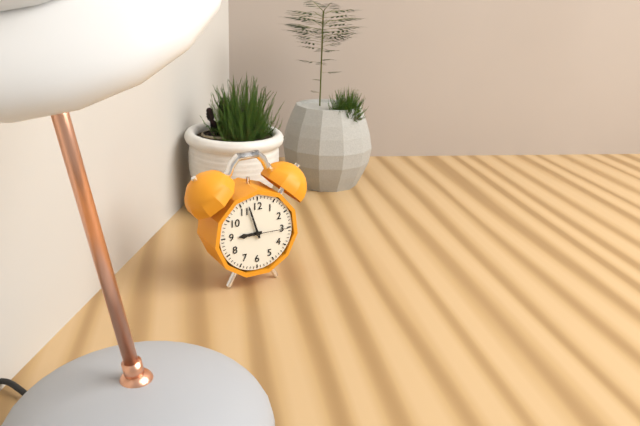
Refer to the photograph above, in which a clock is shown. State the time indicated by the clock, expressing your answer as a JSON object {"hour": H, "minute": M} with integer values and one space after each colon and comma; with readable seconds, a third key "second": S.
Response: {"hour": 8, "minute": 57}
